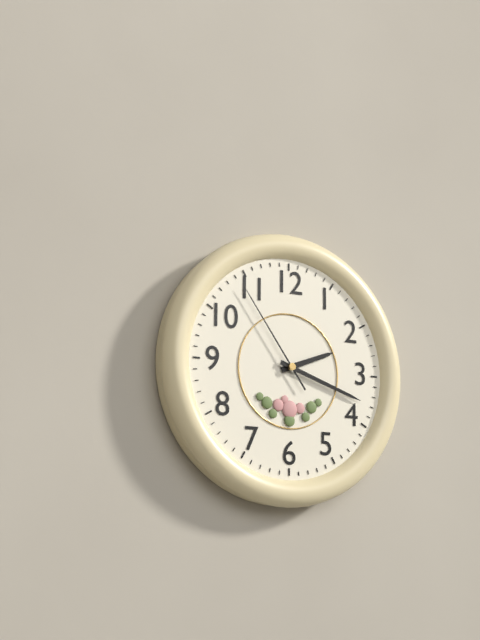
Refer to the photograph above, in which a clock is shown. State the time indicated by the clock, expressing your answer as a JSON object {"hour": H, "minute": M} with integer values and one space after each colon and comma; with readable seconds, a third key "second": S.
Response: {"hour": 2, "minute": 18, "second": 54}
